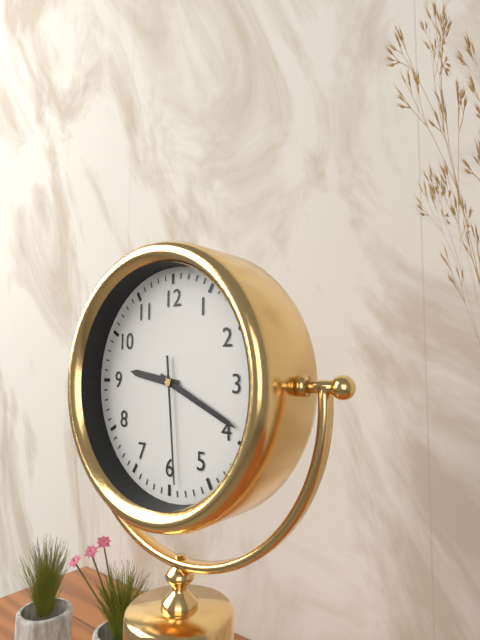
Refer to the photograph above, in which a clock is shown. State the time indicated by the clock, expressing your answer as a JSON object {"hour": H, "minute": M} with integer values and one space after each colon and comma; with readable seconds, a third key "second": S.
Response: {"hour": 9, "minute": 19, "second": 29}
